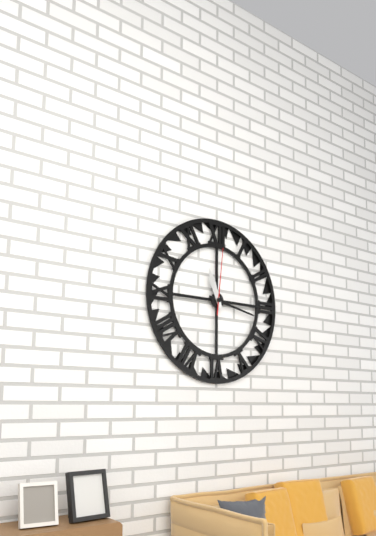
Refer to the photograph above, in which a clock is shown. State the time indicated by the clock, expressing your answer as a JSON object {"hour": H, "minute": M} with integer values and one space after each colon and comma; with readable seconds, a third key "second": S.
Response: {"hour": 11, "minute": 17, "second": 1}
